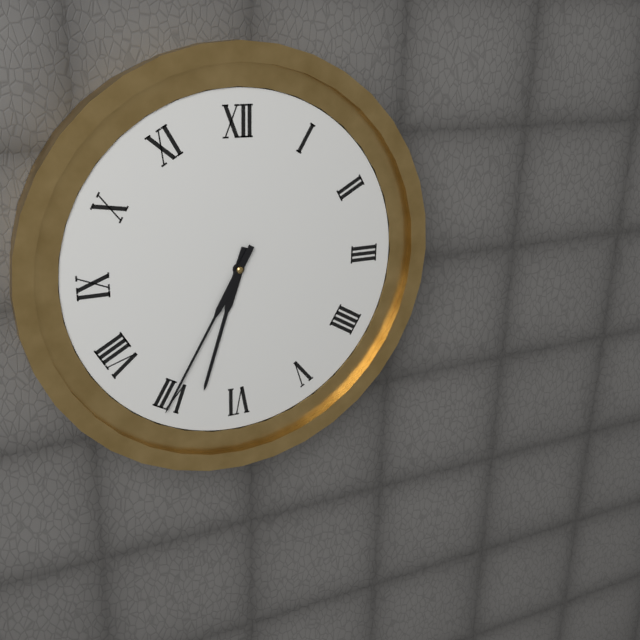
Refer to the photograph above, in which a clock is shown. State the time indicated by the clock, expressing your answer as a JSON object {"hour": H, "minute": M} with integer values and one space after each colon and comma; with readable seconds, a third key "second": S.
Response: {"hour": 6, "minute": 35}
